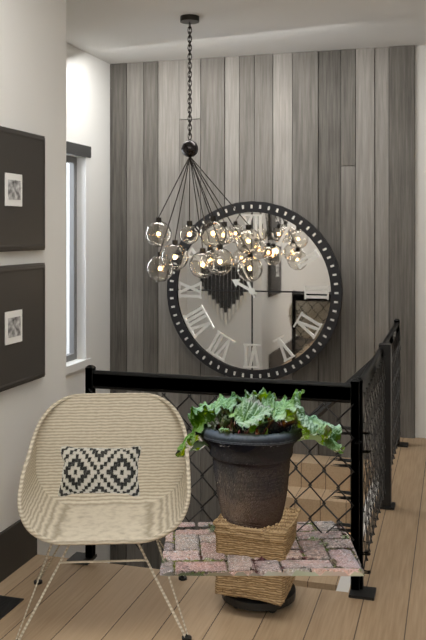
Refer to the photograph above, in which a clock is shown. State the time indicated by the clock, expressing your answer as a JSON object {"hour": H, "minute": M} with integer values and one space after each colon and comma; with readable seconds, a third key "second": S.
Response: {"hour": 9, "minute": 56}
